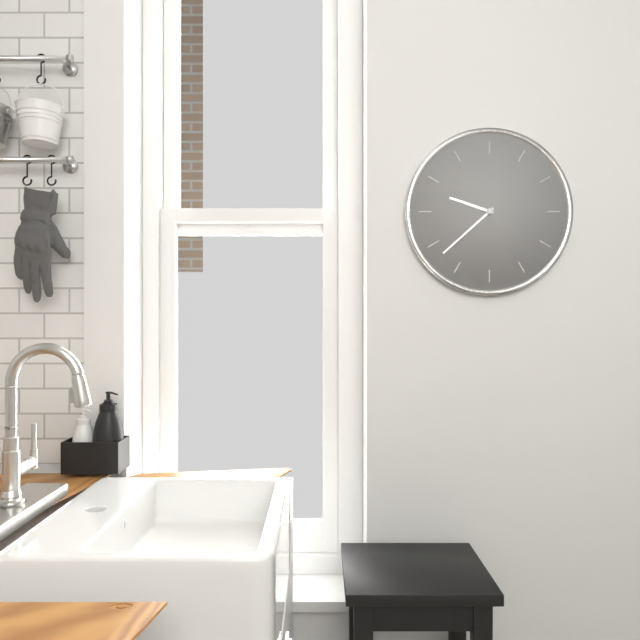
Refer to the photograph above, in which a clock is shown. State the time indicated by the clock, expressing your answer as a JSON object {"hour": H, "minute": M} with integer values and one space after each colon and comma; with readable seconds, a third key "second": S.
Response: {"hour": 9, "minute": 38}
